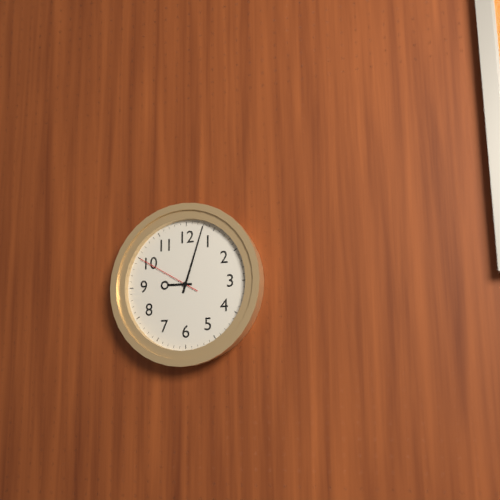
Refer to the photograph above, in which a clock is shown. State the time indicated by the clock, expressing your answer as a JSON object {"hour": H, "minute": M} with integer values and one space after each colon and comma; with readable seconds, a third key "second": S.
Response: {"hour": 9, "minute": 3, "second": 50}
